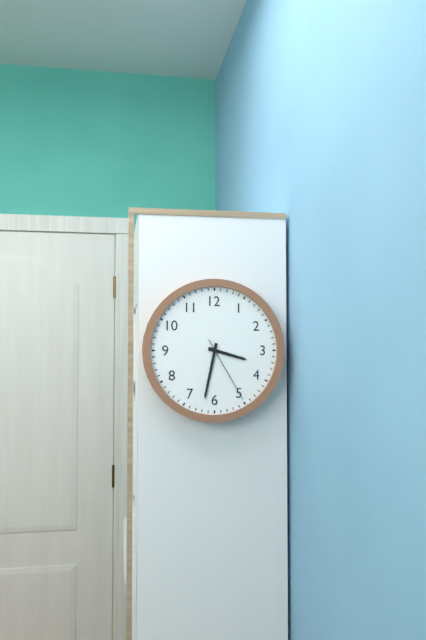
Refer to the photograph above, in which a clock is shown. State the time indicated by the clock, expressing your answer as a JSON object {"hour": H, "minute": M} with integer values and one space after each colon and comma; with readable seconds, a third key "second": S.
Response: {"hour": 3, "minute": 32, "second": 25}
